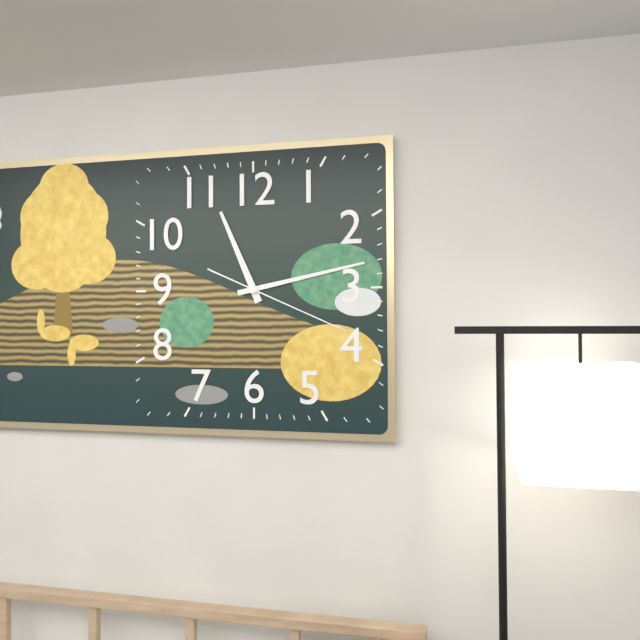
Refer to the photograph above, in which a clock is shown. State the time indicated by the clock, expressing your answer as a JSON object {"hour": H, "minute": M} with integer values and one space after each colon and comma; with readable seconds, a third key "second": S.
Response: {"hour": 11, "minute": 13, "second": 19}
